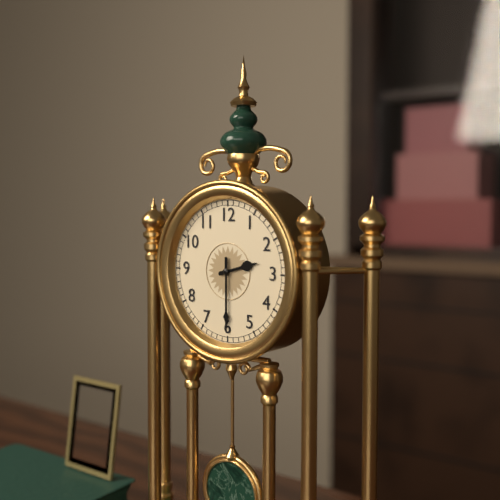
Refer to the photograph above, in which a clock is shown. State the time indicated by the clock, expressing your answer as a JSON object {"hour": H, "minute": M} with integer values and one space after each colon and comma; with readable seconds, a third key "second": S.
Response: {"hour": 2, "minute": 30}
